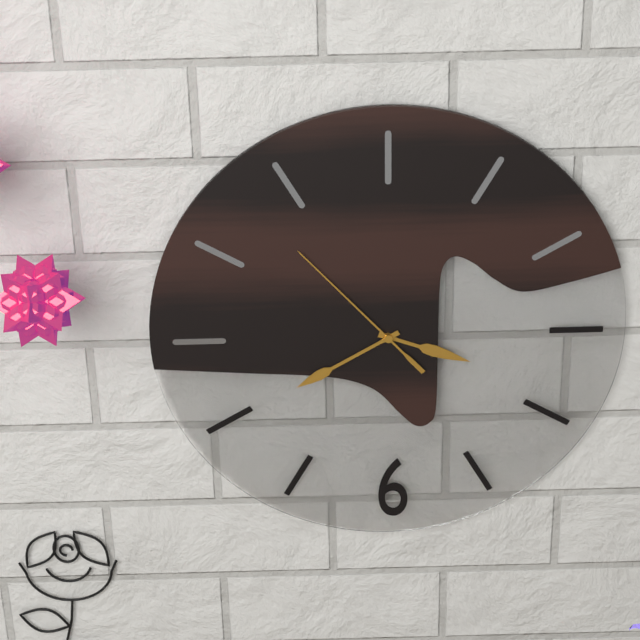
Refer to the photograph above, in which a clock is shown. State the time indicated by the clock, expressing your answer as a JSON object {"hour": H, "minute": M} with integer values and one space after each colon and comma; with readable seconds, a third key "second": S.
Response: {"hour": 3, "minute": 40, "second": 53}
